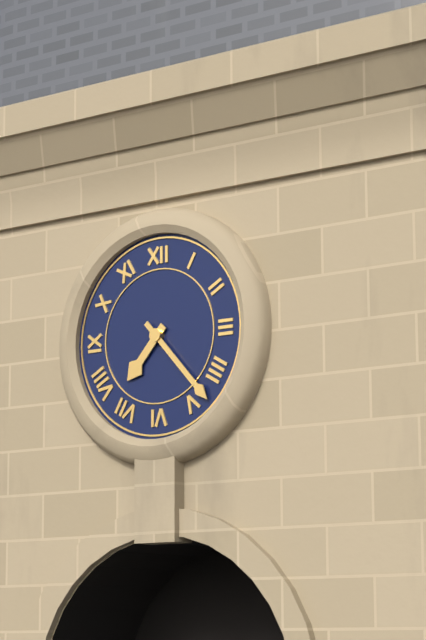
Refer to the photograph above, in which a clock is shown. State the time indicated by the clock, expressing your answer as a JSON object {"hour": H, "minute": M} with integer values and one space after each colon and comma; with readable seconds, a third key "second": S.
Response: {"hour": 7, "minute": 23}
